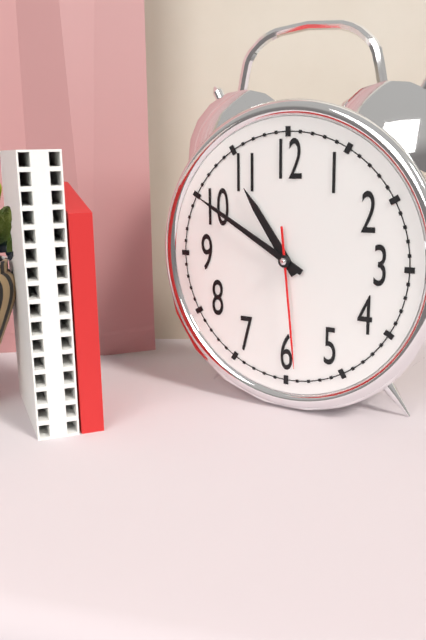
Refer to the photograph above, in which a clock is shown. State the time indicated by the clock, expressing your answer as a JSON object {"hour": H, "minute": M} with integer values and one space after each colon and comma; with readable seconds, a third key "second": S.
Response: {"hour": 10, "minute": 50, "second": 29}
